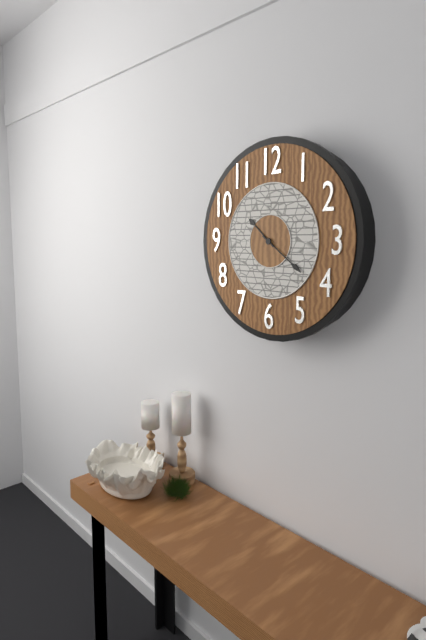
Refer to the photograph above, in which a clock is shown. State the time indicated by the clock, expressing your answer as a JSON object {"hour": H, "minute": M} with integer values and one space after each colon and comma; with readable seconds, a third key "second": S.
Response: {"hour": 10, "minute": 21}
